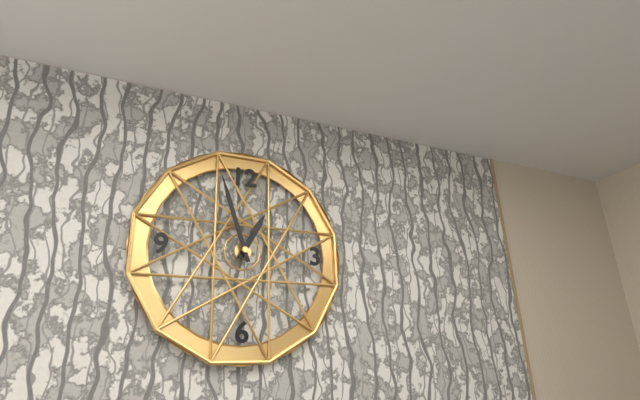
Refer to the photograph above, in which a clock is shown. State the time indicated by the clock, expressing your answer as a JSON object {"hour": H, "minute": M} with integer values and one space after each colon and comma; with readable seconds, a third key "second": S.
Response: {"hour": 12, "minute": 57}
